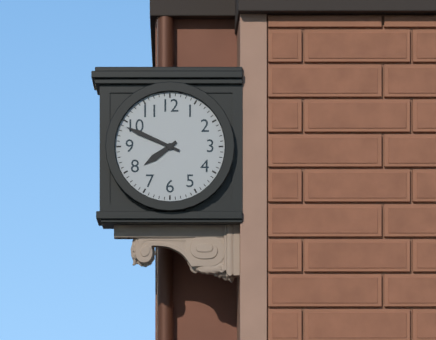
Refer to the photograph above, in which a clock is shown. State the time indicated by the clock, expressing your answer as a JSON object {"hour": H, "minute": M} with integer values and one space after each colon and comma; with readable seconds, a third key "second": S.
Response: {"hour": 7, "minute": 49}
